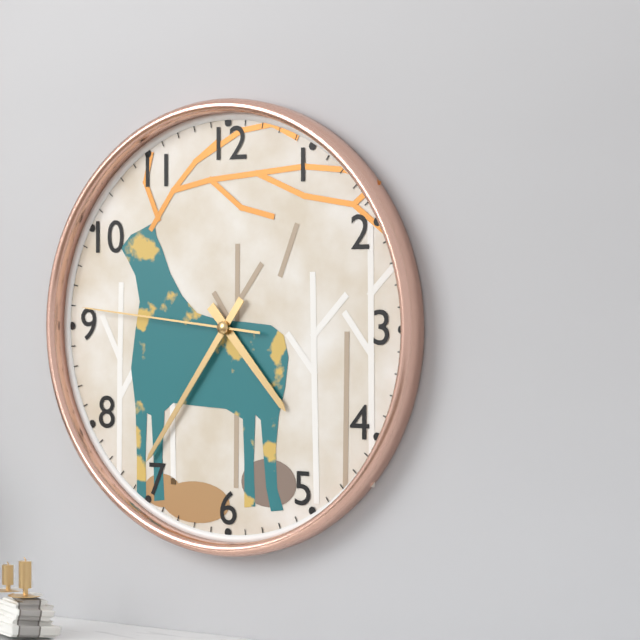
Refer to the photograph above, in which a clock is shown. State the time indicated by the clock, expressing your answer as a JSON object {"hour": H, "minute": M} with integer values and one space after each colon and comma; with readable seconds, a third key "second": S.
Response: {"hour": 4, "minute": 36, "second": 46}
